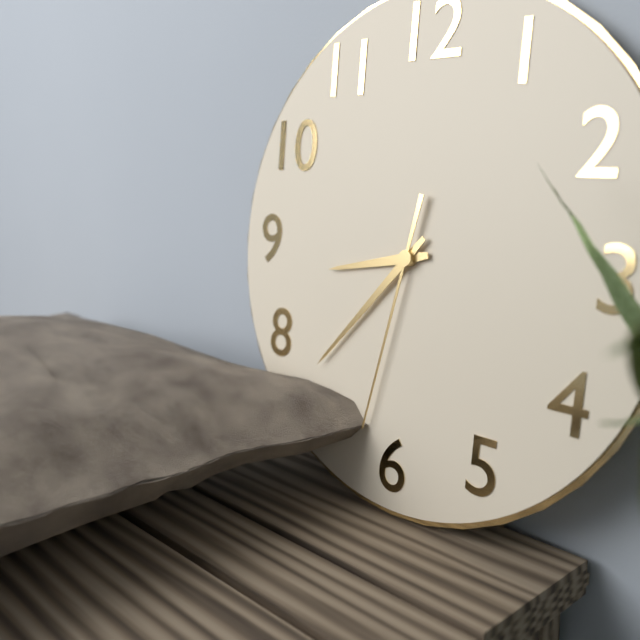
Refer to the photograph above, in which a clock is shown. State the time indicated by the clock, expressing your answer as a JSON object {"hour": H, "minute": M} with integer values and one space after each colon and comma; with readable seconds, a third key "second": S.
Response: {"hour": 8, "minute": 37, "second": 32}
